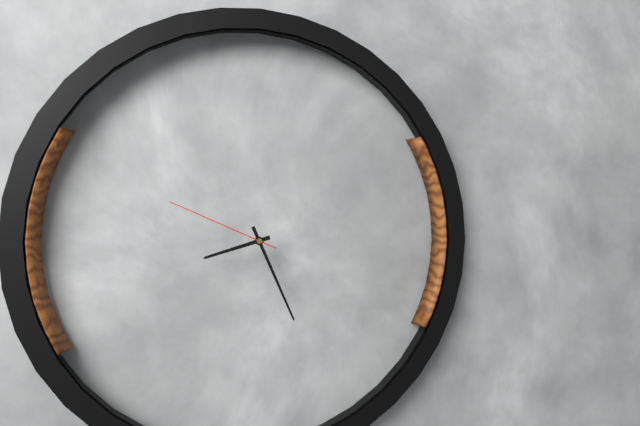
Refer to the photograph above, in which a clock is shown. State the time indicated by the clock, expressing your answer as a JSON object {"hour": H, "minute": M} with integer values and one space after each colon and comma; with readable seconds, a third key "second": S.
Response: {"hour": 8, "minute": 26, "second": 49}
